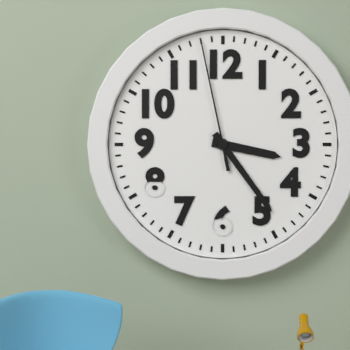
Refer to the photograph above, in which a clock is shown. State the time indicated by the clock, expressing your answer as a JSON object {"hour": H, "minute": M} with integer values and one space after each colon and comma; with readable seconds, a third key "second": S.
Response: {"hour": 3, "minute": 24, "second": 58}
